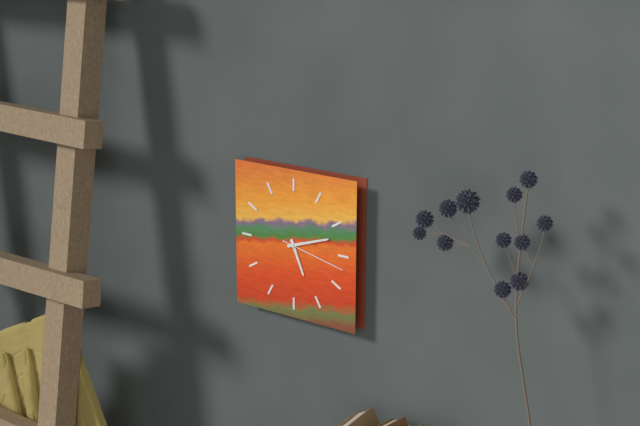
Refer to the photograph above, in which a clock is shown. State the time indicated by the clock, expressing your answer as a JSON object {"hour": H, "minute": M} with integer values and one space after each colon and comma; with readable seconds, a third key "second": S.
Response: {"hour": 5, "minute": 12, "second": 17}
